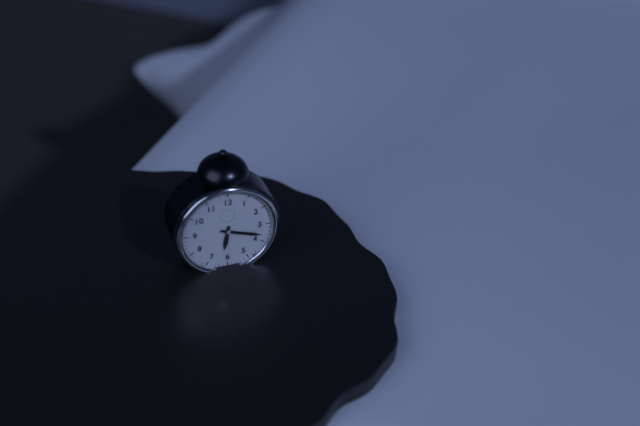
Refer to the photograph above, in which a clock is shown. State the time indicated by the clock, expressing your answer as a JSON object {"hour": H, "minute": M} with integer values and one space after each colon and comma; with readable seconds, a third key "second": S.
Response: {"hour": 6, "minute": 18}
